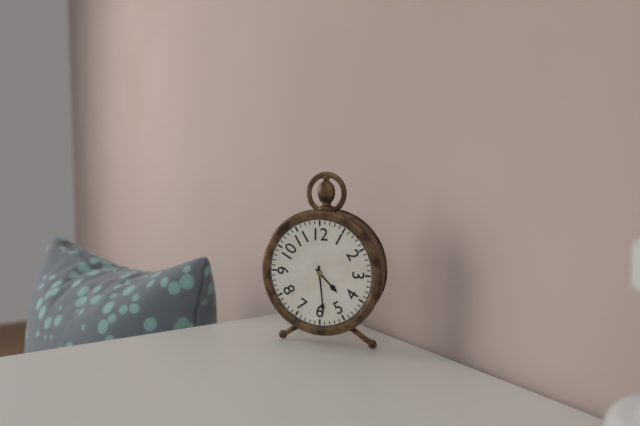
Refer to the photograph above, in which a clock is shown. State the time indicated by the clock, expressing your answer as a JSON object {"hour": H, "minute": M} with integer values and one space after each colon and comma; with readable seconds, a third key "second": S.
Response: {"hour": 4, "minute": 29}
